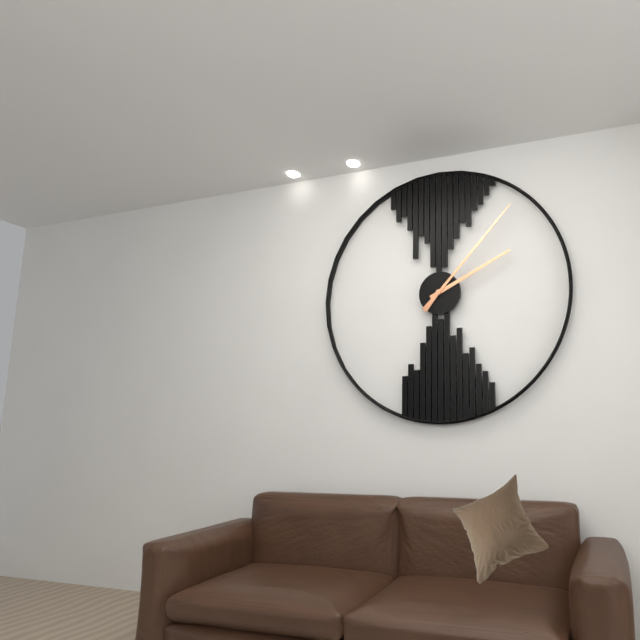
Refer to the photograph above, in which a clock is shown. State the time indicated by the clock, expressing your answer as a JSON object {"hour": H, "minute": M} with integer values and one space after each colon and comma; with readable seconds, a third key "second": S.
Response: {"hour": 2, "minute": 7}
